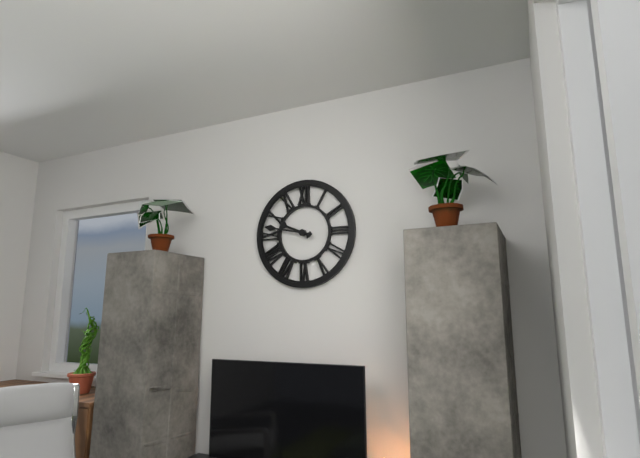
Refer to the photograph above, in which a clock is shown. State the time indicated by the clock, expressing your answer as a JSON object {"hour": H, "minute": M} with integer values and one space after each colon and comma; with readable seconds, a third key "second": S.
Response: {"hour": 9, "minute": 47}
